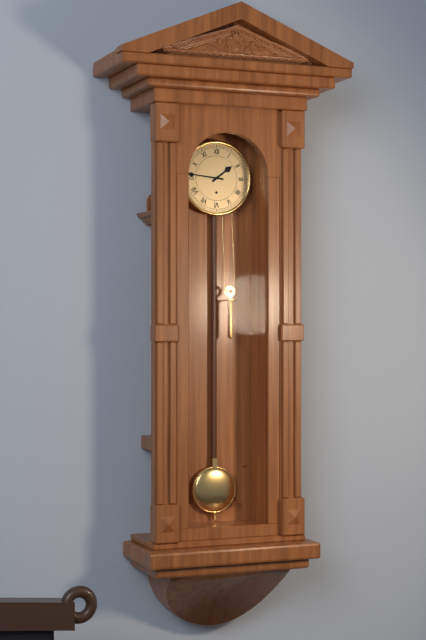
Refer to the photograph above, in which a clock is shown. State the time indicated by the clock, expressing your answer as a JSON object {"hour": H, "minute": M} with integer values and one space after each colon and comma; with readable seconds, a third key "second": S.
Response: {"hour": 1, "minute": 46}
